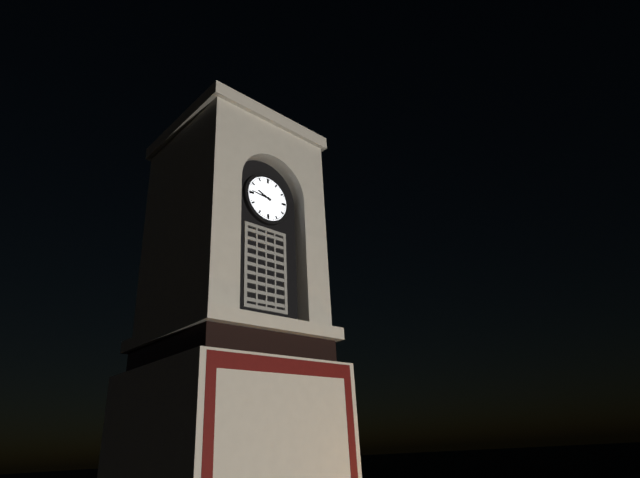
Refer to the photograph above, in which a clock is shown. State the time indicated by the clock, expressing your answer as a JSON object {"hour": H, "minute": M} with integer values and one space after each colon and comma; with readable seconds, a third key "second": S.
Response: {"hour": 9, "minute": 46}
